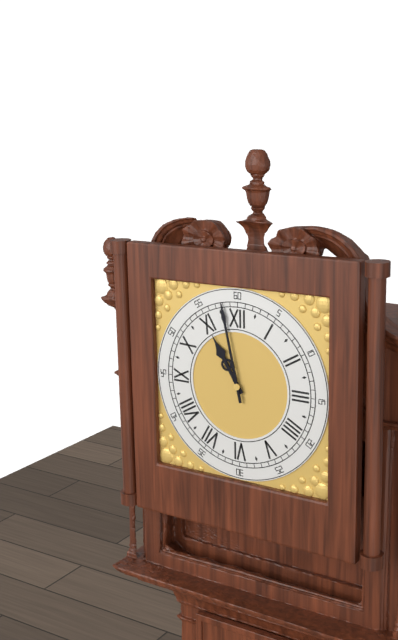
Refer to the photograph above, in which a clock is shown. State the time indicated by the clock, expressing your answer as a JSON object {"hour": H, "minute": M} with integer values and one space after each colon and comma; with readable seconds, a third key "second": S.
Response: {"hour": 10, "minute": 58}
